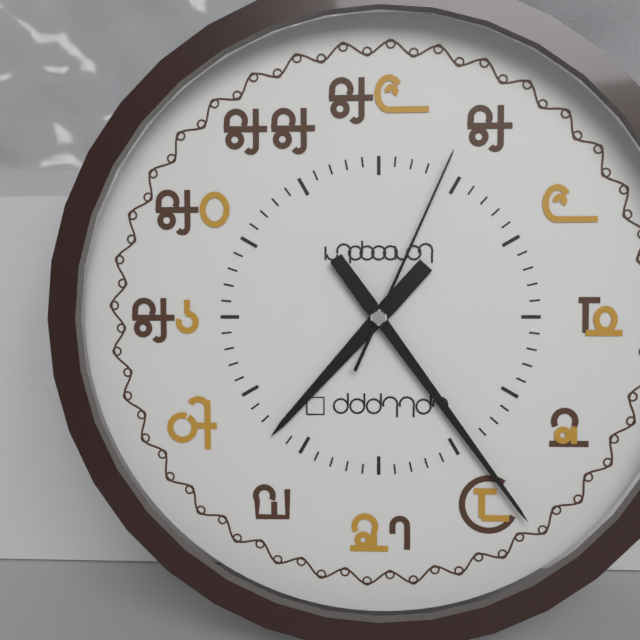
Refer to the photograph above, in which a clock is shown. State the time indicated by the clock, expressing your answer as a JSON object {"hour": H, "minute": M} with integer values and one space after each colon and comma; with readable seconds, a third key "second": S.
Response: {"hour": 7, "minute": 24, "second": 4}
